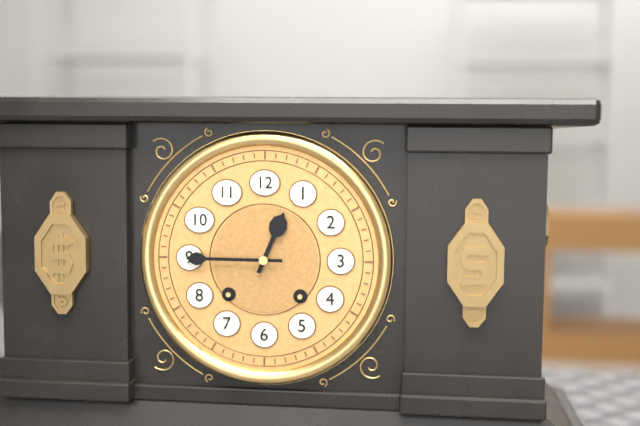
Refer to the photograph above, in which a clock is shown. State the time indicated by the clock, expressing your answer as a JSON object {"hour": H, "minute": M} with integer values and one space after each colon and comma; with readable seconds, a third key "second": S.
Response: {"hour": 12, "minute": 45}
